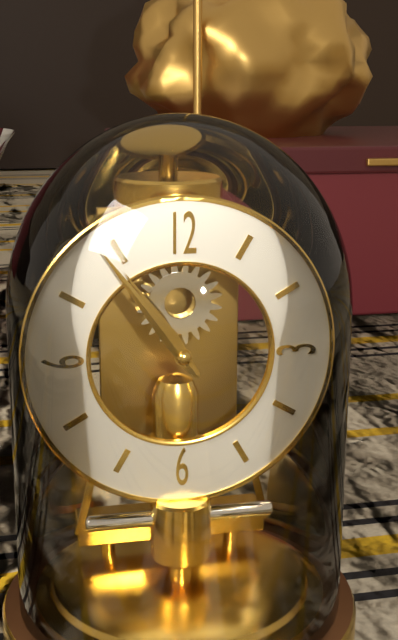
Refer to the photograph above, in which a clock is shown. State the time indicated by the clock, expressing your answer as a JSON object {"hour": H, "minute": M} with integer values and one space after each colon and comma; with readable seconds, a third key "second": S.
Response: {"hour": 10, "minute": 54}
